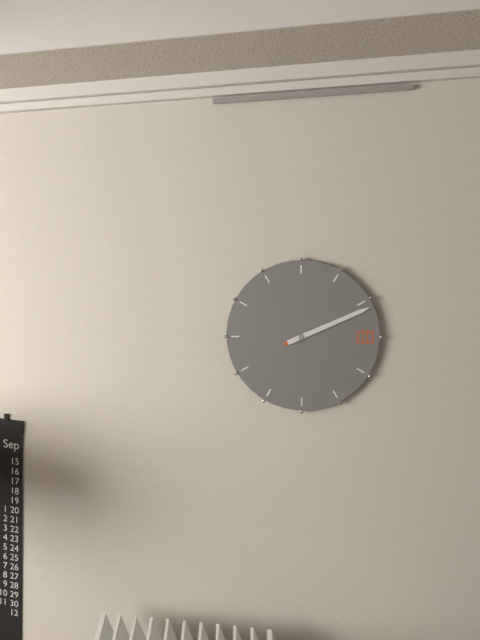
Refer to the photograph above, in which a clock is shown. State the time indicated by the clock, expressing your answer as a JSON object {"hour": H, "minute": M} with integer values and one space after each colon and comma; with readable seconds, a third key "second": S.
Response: {"hour": 2, "minute": 11}
